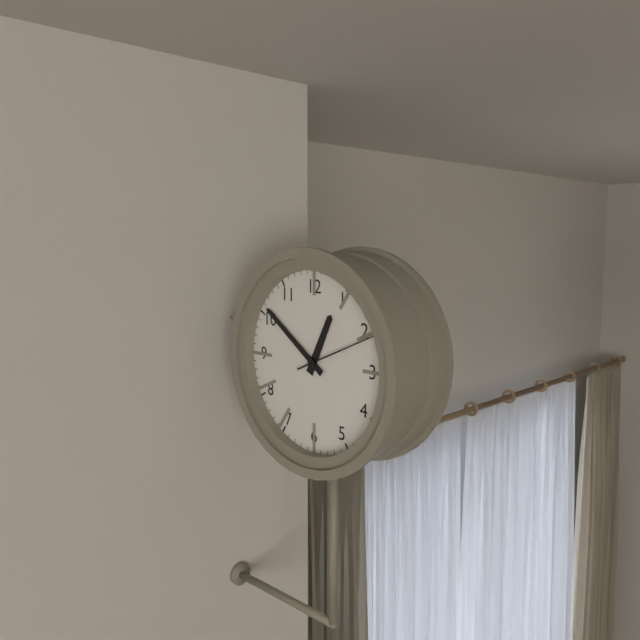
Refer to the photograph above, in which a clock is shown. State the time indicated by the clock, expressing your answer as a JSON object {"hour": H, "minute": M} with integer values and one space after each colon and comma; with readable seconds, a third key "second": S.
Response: {"hour": 12, "minute": 51, "second": 11}
